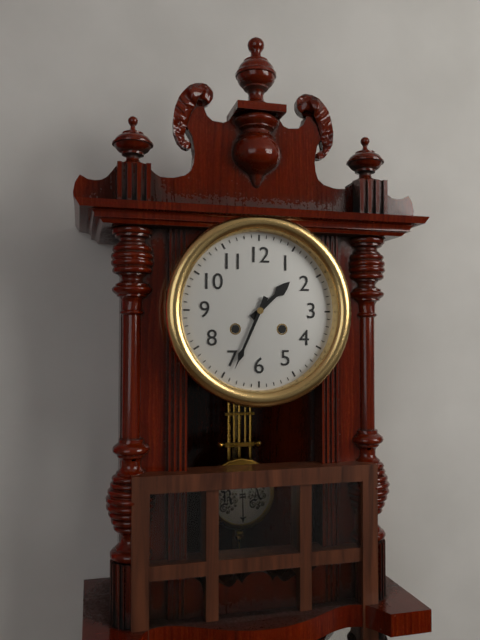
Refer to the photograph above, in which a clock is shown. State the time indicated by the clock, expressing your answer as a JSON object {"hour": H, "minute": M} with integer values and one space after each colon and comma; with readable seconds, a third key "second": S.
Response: {"hour": 1, "minute": 34}
